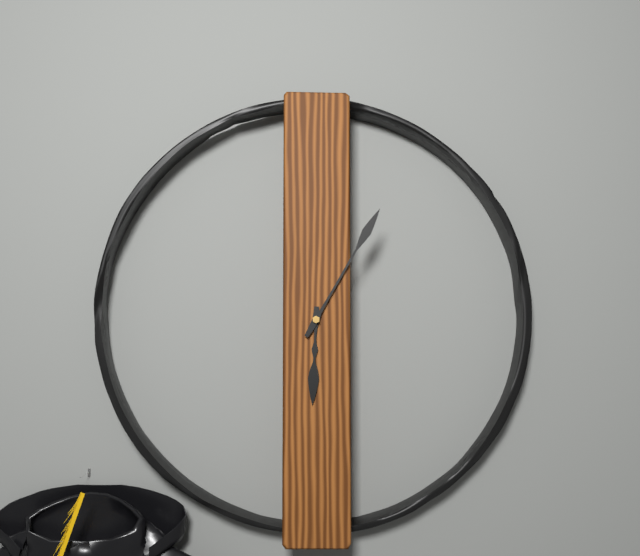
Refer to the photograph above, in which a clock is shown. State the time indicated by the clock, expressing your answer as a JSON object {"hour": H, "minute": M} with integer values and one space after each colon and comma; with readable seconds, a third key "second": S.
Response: {"hour": 6, "minute": 5}
